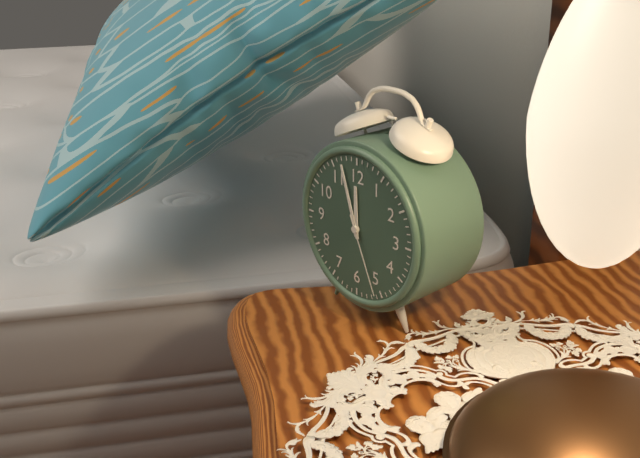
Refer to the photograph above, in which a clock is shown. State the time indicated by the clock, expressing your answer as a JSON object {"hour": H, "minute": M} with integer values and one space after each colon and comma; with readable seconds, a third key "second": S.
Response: {"hour": 11, "minute": 57, "second": 26}
